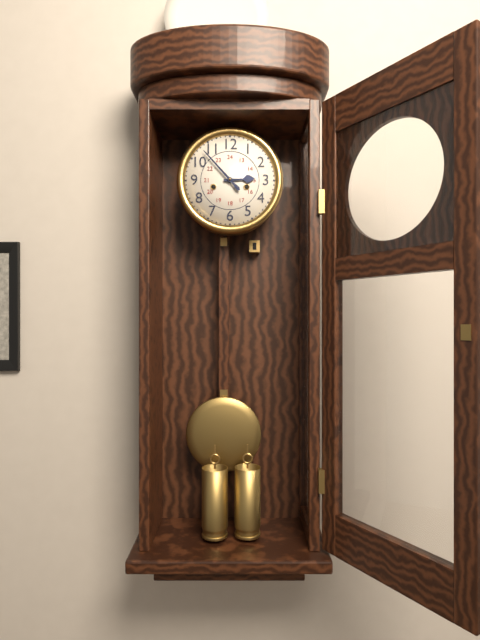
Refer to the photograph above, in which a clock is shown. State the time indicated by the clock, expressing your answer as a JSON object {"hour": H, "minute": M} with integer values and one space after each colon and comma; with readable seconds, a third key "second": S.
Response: {"hour": 2, "minute": 53}
